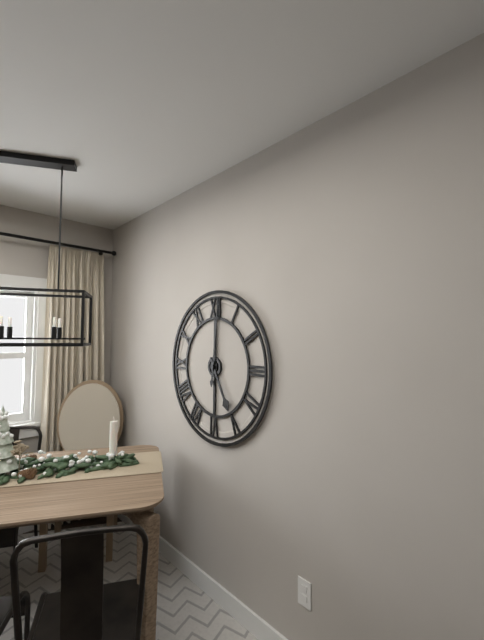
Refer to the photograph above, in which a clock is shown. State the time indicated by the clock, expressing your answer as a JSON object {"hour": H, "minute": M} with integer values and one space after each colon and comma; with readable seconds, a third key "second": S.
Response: {"hour": 5, "minute": 1}
